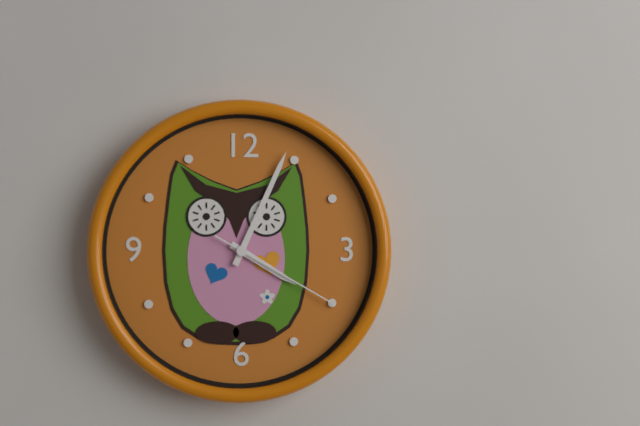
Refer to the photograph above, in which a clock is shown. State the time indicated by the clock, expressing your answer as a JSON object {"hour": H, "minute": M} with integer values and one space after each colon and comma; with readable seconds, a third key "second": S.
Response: {"hour": 4, "minute": 4, "second": 20}
